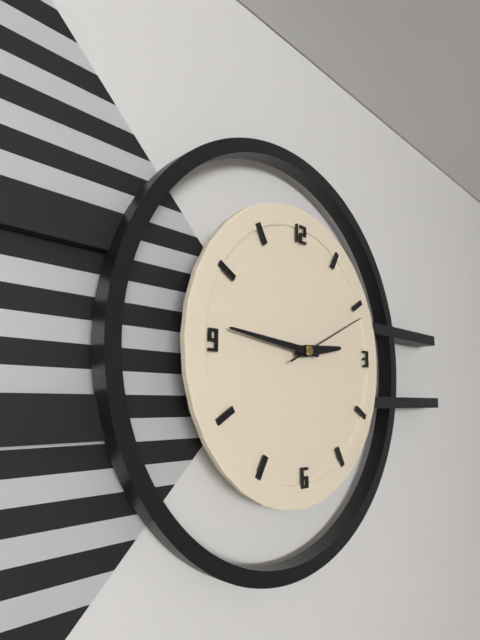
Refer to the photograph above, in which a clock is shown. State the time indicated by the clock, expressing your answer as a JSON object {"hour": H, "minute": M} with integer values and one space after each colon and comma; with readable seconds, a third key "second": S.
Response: {"hour": 2, "minute": 46, "second": 11}
